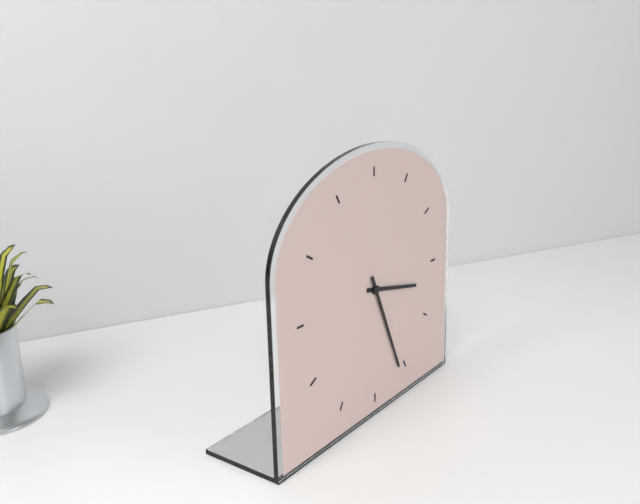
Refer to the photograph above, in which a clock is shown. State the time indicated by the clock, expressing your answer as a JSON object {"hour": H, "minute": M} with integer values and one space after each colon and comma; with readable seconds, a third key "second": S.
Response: {"hour": 3, "minute": 26}
